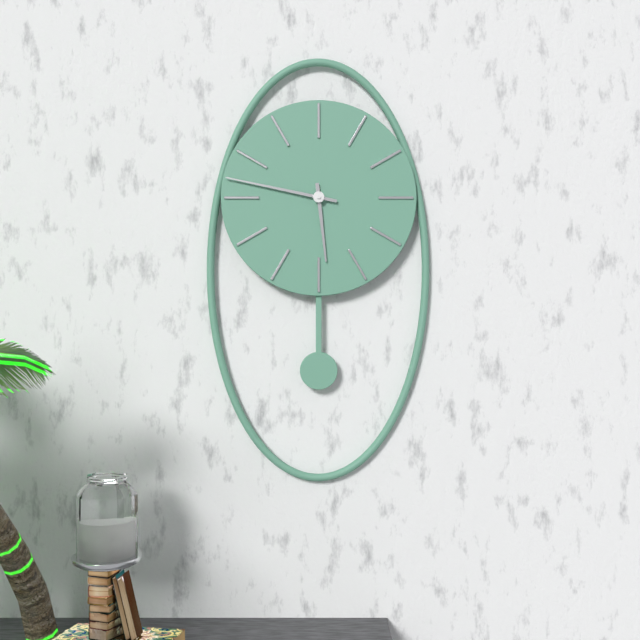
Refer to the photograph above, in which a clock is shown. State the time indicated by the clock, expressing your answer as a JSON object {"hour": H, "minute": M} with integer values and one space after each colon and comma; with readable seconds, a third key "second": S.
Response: {"hour": 5, "minute": 47}
